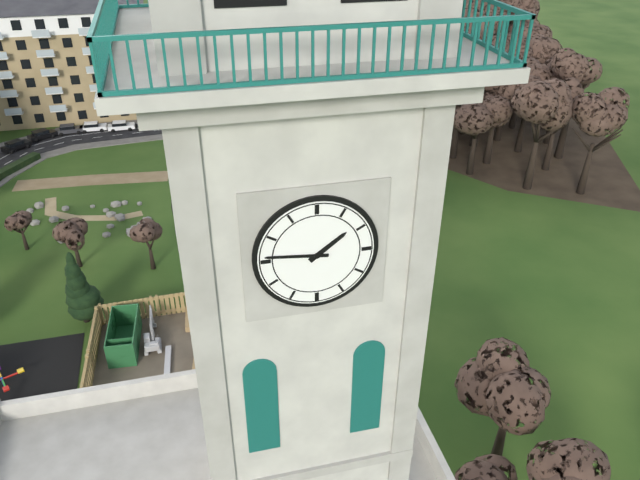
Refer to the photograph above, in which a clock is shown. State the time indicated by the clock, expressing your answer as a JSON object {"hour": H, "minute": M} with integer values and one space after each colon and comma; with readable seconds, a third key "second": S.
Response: {"hour": 1, "minute": 46}
